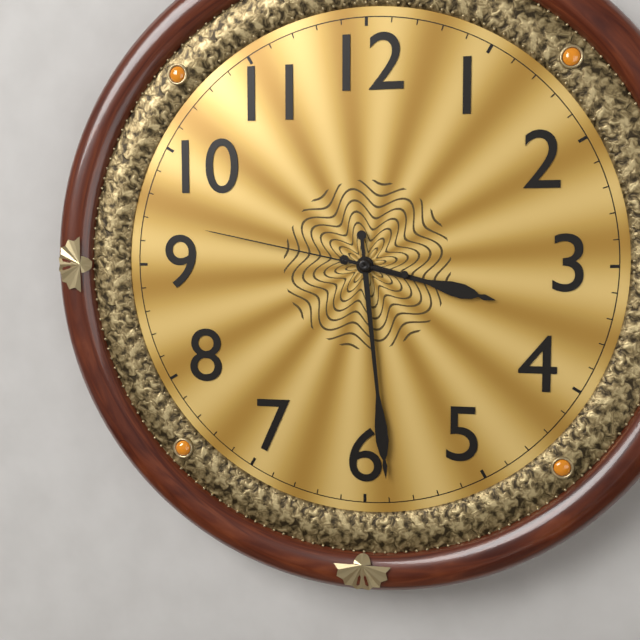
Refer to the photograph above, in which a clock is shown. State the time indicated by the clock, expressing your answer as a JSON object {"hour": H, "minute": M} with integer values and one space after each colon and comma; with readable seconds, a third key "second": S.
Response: {"hour": 3, "minute": 29, "second": 47}
